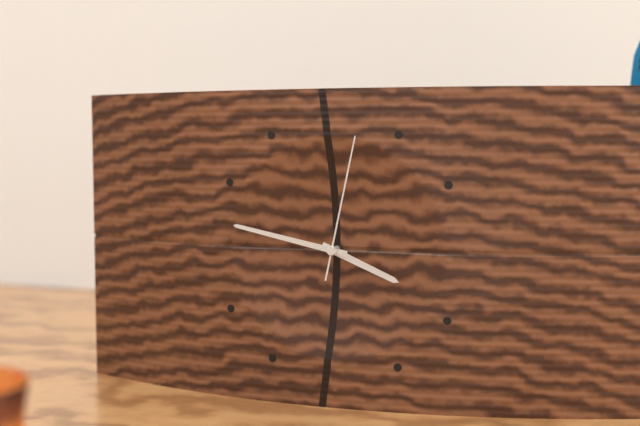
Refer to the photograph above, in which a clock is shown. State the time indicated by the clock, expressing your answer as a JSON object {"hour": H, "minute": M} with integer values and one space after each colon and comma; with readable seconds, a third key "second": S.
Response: {"hour": 3, "minute": 47, "second": 2}
